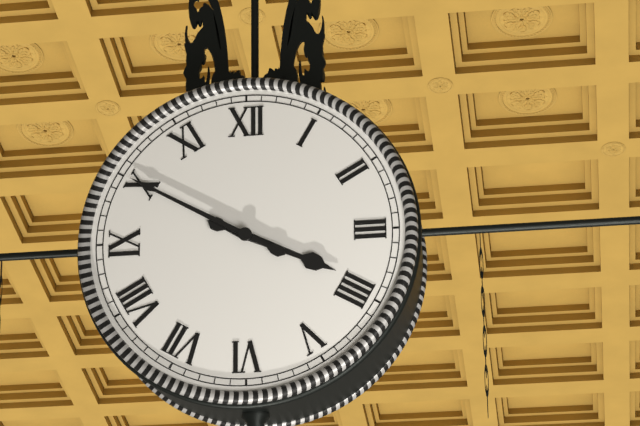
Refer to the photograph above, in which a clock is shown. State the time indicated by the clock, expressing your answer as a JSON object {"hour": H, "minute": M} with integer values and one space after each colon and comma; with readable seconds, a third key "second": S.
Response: {"hour": 3, "minute": 50}
